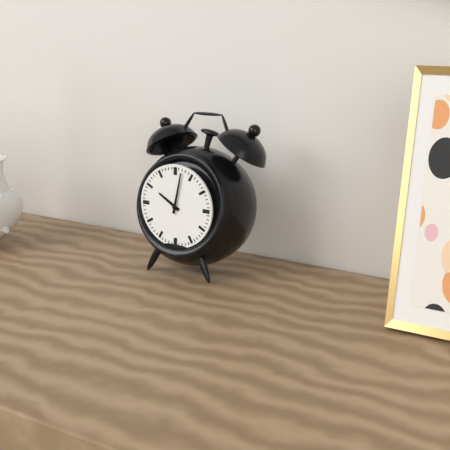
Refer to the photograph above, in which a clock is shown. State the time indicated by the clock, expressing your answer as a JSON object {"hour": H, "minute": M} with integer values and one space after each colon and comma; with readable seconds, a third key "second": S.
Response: {"hour": 10, "minute": 2}
